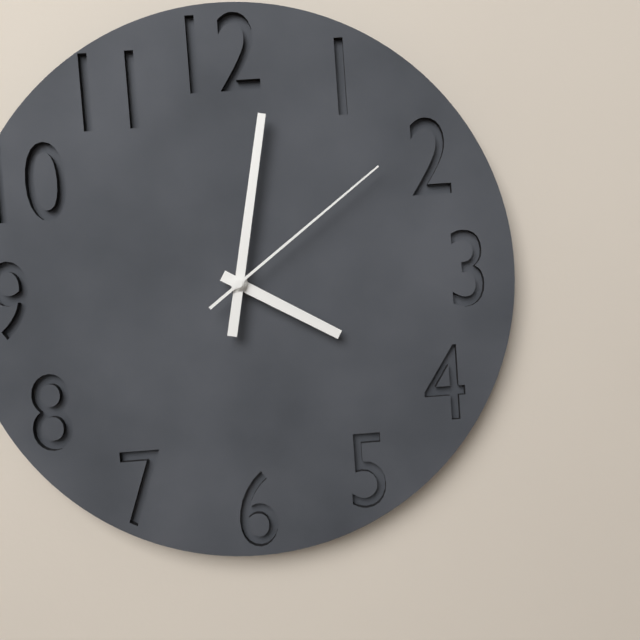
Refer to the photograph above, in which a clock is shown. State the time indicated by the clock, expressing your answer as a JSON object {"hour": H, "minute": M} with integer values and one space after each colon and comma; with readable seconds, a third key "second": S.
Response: {"hour": 4, "minute": 2, "second": 9}
